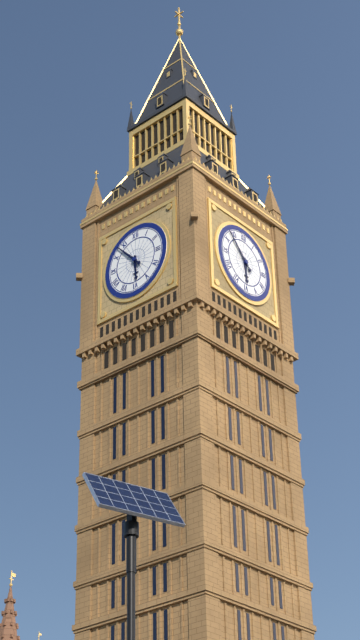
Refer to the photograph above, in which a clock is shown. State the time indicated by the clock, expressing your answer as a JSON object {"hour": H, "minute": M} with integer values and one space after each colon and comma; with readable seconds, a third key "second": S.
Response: {"hour": 5, "minute": 53}
